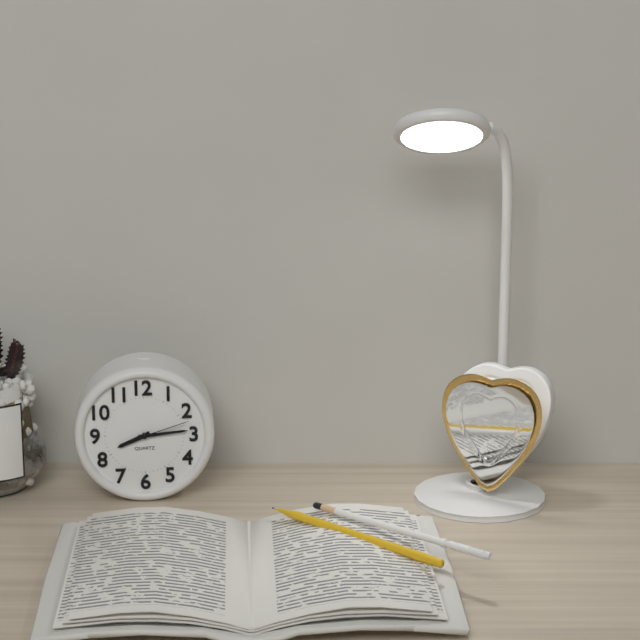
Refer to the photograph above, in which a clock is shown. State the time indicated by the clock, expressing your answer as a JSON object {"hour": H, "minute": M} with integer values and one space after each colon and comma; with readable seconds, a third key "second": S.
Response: {"hour": 8, "minute": 14, "second": 12}
